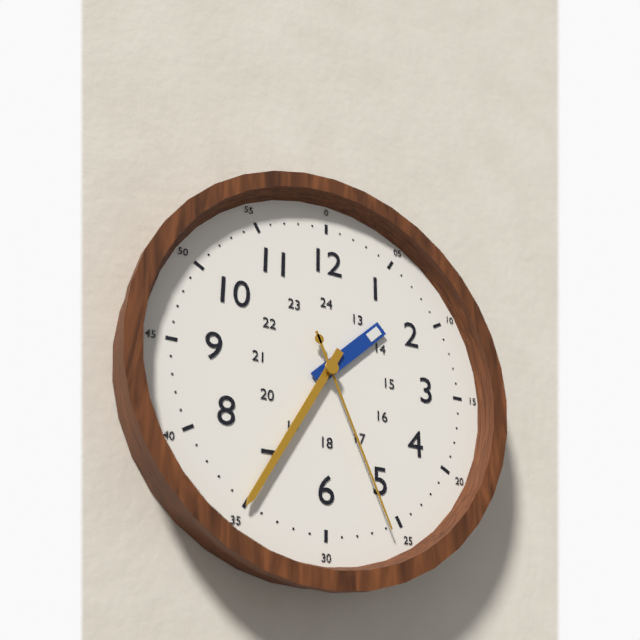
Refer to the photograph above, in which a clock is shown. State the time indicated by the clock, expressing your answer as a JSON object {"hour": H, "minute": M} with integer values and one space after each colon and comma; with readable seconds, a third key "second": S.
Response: {"hour": 1, "minute": 35, "second": 26}
